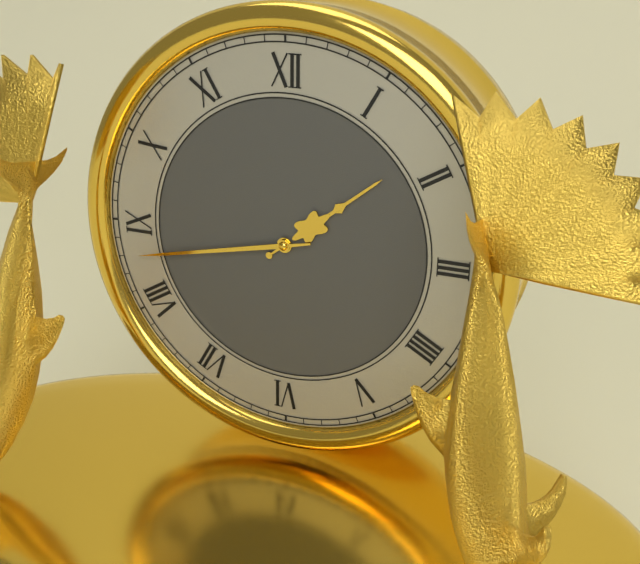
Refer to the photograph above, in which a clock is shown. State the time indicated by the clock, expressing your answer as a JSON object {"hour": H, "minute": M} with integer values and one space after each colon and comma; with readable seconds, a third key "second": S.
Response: {"hour": 1, "minute": 43}
